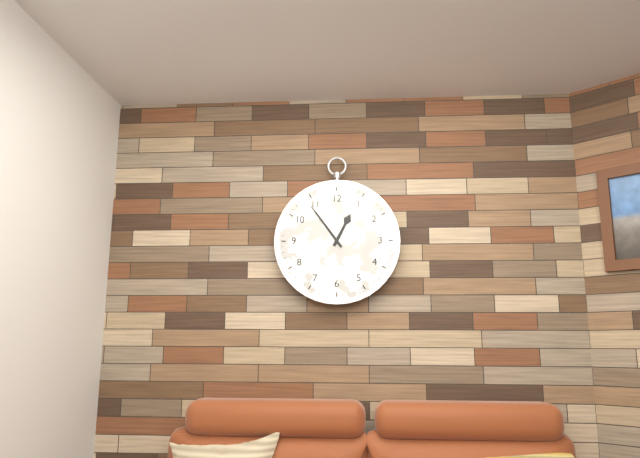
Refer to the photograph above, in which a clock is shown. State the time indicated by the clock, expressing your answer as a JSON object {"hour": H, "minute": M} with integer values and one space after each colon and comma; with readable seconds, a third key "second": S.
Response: {"hour": 12, "minute": 54}
